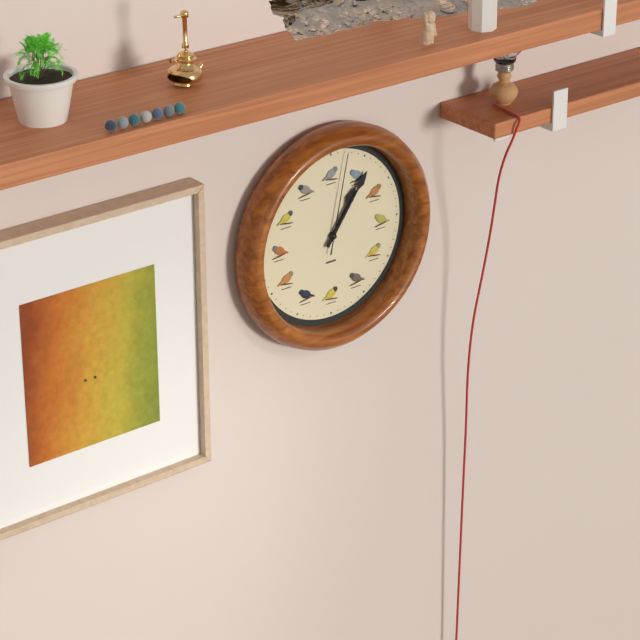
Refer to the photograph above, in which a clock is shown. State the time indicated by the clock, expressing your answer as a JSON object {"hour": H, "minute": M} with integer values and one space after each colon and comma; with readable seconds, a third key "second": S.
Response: {"hour": 1, "minute": 6, "second": 2}
